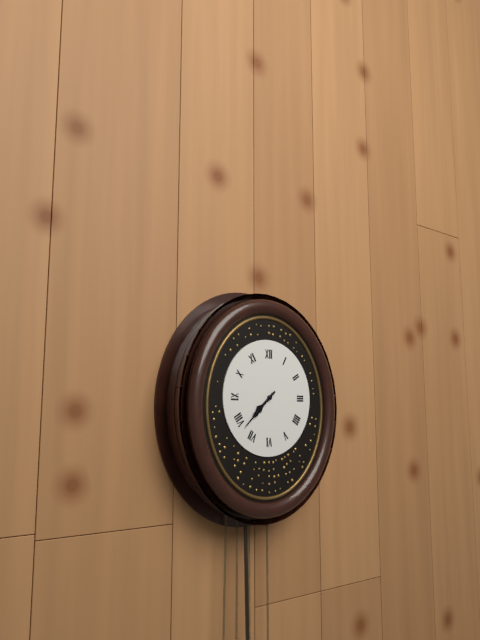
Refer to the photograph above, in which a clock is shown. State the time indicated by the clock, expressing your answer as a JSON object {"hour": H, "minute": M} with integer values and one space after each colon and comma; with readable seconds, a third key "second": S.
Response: {"hour": 7, "minute": 38}
